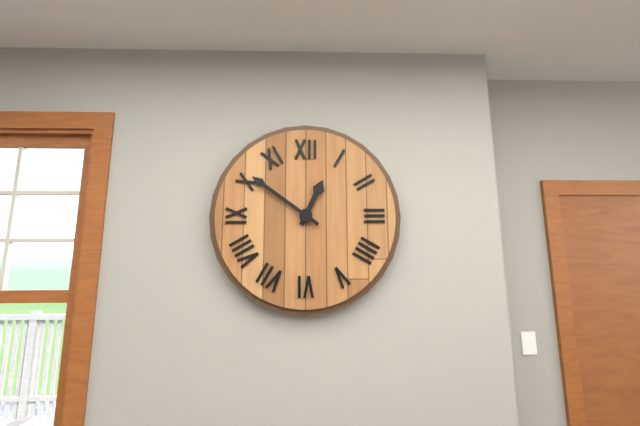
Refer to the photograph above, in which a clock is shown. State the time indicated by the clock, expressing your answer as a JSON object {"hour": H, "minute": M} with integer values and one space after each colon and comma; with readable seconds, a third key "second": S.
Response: {"hour": 12, "minute": 51}
